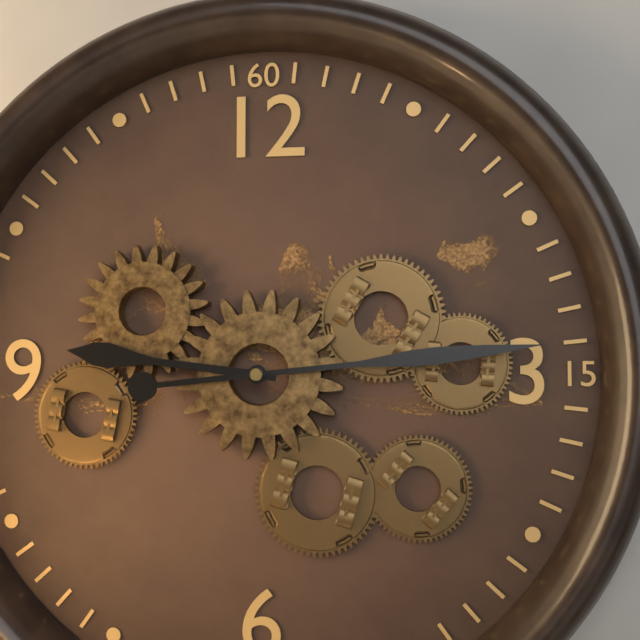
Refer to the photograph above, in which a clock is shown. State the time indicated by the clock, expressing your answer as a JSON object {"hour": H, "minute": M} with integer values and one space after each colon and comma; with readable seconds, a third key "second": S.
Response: {"hour": 9, "minute": 14}
